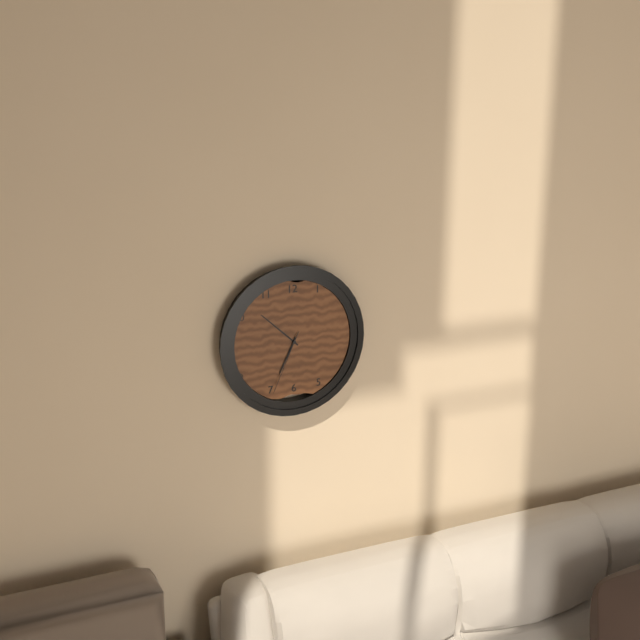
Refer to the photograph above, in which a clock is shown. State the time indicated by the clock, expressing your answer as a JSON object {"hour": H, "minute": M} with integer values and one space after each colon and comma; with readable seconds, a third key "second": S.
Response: {"hour": 6, "minute": 52, "second": 34}
